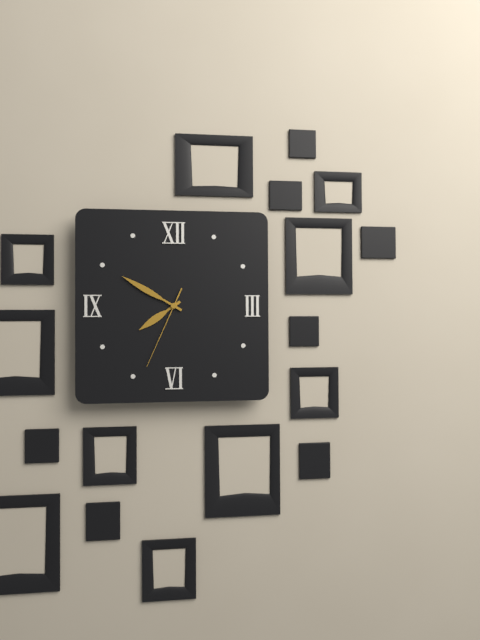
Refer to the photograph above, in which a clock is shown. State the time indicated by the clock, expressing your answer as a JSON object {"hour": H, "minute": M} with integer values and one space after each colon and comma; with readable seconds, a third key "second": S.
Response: {"hour": 7, "minute": 50, "second": 34}
